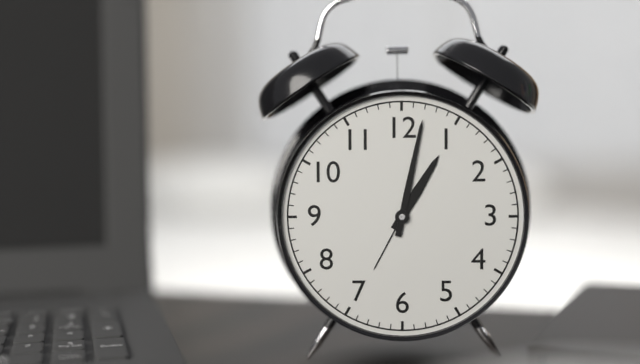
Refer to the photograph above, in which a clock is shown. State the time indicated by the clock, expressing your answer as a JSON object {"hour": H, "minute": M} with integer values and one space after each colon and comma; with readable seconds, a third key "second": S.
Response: {"hour": 1, "minute": 2}
